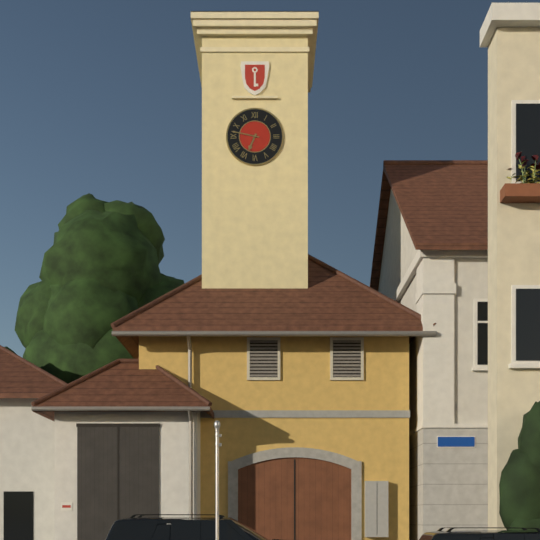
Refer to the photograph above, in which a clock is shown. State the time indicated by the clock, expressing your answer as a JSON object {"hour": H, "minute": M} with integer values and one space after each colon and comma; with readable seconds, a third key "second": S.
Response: {"hour": 6, "minute": 47}
